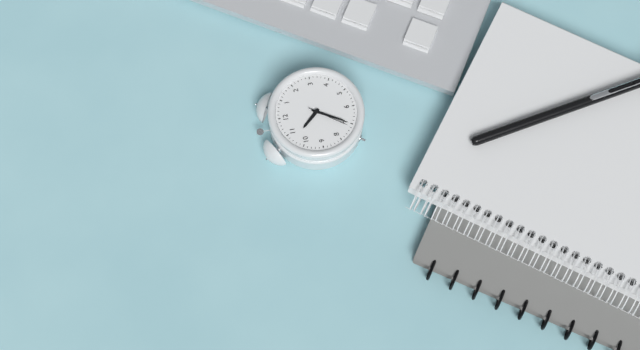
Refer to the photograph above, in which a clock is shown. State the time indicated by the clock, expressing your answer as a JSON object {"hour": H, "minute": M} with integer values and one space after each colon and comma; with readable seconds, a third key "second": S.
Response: {"hour": 10, "minute": 35}
